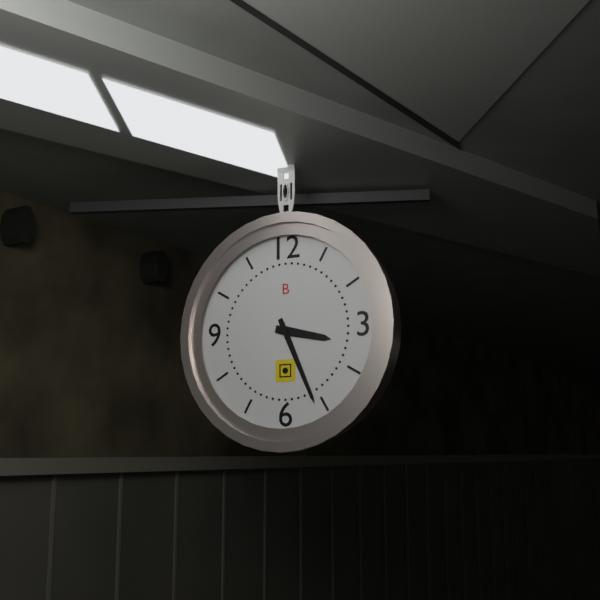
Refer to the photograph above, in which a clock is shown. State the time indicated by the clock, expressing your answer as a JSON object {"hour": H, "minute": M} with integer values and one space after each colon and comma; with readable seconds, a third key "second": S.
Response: {"hour": 3, "minute": 26}
